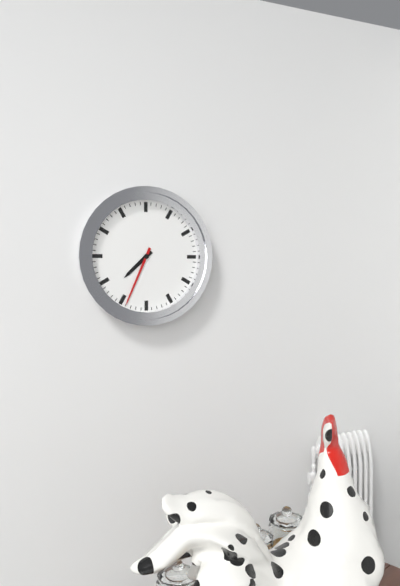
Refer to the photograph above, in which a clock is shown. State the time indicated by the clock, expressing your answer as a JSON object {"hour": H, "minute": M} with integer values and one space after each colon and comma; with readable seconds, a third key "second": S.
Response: {"hour": 7, "minute": 34}
